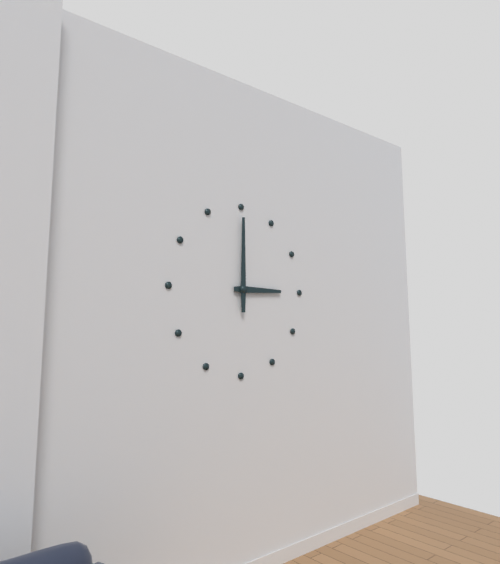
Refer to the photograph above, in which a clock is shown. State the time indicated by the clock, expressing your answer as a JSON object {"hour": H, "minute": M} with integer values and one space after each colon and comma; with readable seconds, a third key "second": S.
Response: {"hour": 3, "minute": 0}
